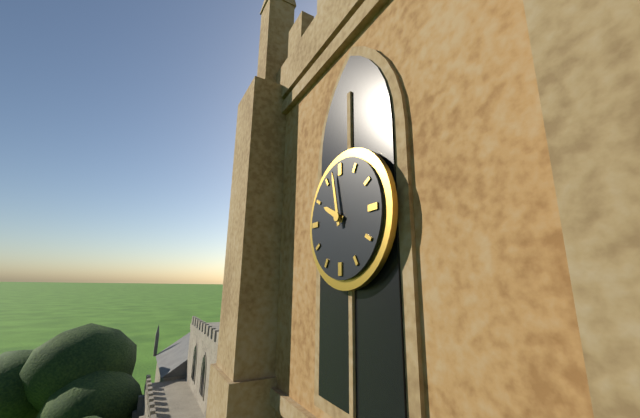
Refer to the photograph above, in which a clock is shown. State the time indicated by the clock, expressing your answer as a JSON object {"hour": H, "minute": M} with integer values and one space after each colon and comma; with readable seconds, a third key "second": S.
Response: {"hour": 9, "minute": 58}
